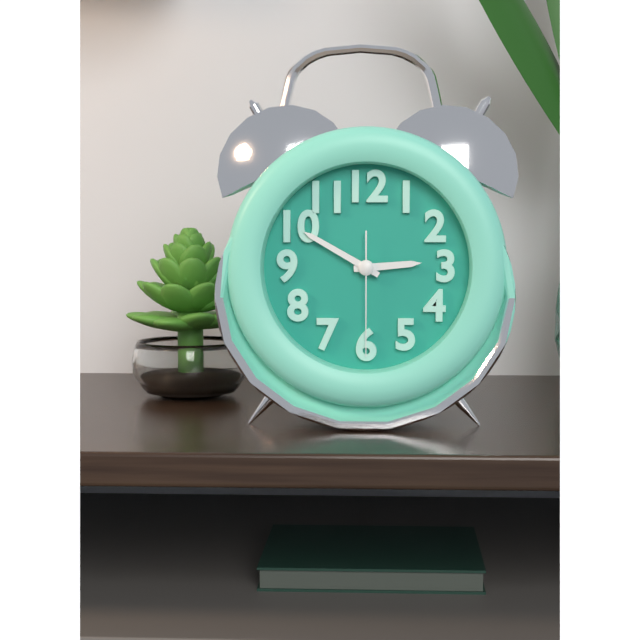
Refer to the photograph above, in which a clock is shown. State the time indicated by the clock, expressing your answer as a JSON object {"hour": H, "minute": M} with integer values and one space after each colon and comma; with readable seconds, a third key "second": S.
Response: {"hour": 2, "minute": 50, "second": 30}
